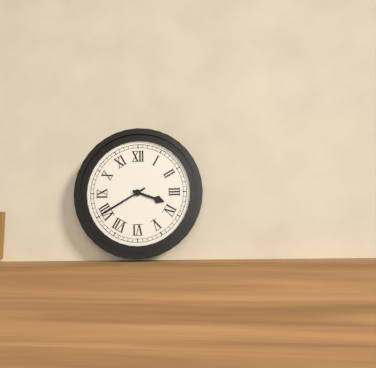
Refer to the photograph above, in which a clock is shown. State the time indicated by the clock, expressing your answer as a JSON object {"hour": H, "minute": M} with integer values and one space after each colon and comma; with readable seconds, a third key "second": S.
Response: {"hour": 3, "minute": 40}
